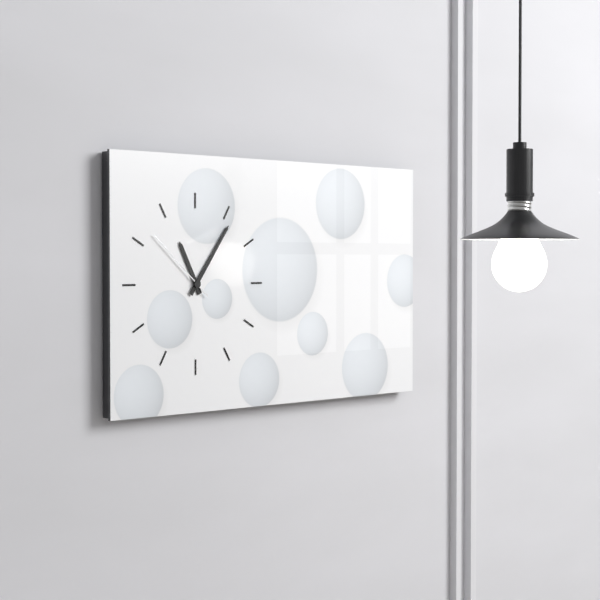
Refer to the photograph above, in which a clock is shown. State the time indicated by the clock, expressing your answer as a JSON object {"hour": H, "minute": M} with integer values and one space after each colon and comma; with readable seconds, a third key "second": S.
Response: {"hour": 11, "minute": 6, "second": 52}
